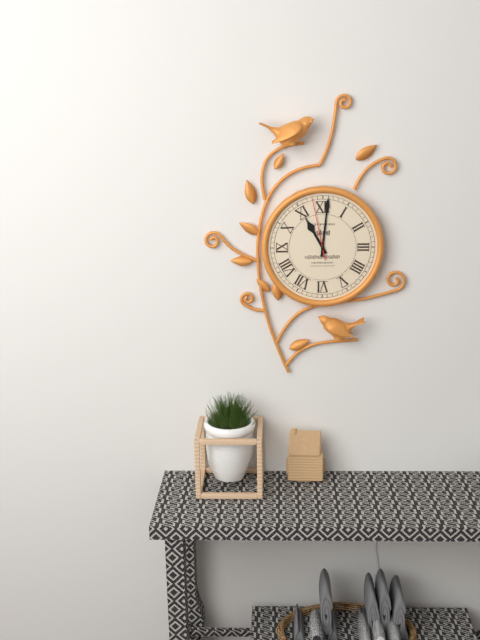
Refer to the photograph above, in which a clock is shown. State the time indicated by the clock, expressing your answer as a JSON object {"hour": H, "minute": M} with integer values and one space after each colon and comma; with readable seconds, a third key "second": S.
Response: {"hour": 11, "minute": 1, "second": 58}
